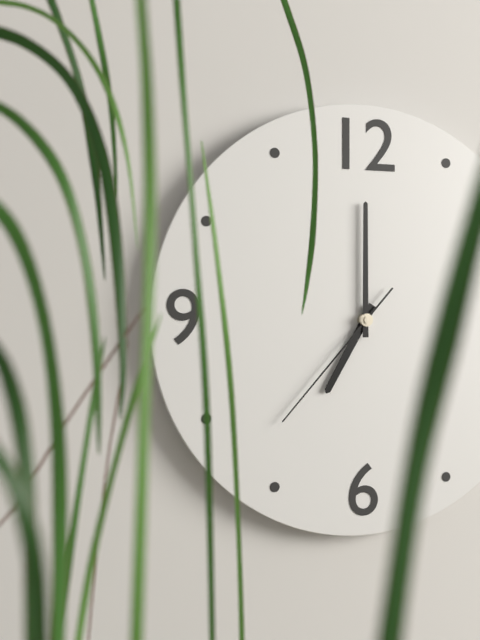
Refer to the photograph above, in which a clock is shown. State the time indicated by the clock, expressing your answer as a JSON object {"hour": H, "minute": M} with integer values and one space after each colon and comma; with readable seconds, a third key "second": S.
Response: {"hour": 7, "minute": 0, "second": 37}
